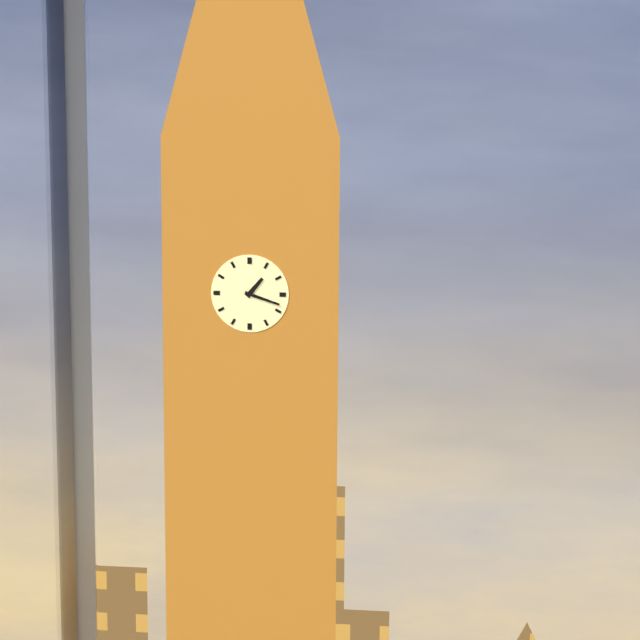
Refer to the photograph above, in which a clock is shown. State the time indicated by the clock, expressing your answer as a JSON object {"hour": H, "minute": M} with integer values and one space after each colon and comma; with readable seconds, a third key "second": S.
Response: {"hour": 1, "minute": 18}
